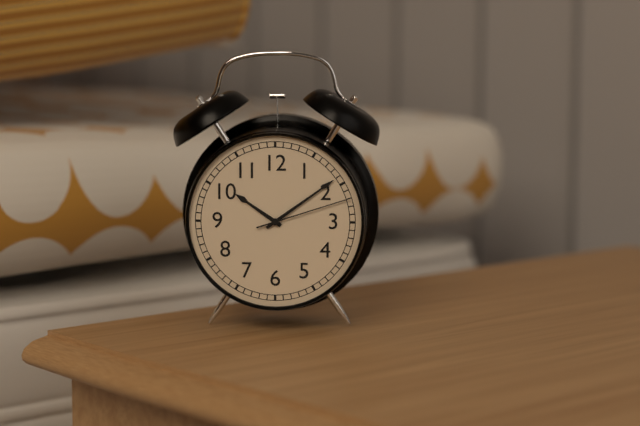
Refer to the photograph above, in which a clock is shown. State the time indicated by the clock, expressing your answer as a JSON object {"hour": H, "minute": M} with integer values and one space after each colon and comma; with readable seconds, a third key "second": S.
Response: {"hour": 10, "minute": 9, "second": 12}
